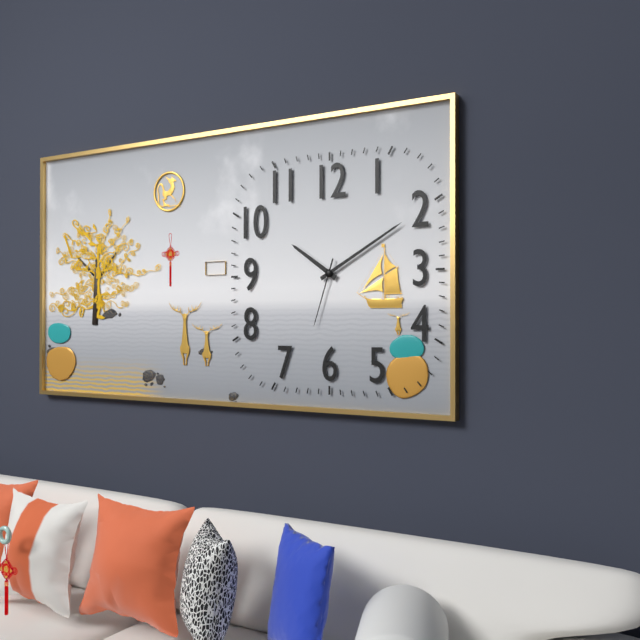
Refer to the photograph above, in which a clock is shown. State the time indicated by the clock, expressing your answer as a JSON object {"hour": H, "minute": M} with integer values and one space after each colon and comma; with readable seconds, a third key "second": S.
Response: {"hour": 10, "minute": 10, "second": 33}
